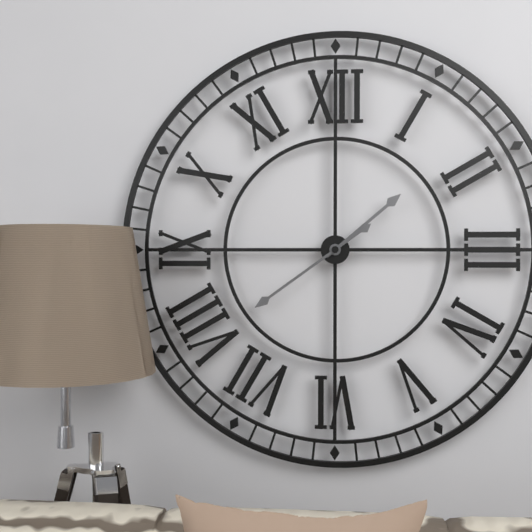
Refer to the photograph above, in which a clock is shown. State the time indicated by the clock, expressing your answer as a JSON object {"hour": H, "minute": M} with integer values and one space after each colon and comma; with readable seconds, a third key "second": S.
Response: {"hour": 1, "minute": 39}
